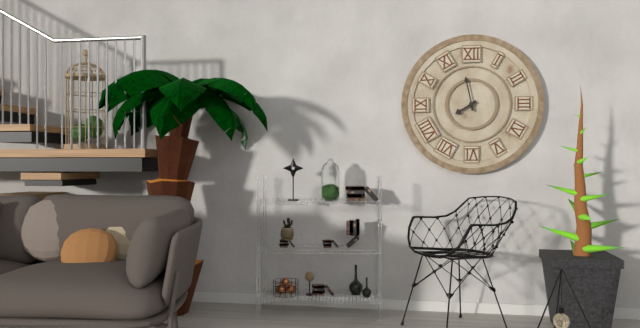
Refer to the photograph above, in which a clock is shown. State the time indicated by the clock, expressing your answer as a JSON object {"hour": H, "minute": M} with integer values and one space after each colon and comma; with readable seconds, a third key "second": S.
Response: {"hour": 7, "minute": 58}
